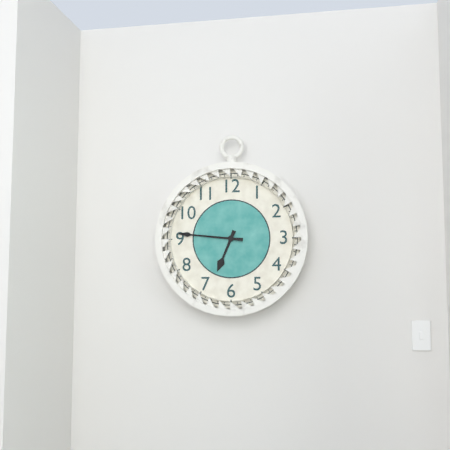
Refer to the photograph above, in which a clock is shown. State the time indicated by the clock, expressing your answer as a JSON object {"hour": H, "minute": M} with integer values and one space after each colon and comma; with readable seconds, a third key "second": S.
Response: {"hour": 6, "minute": 46}
